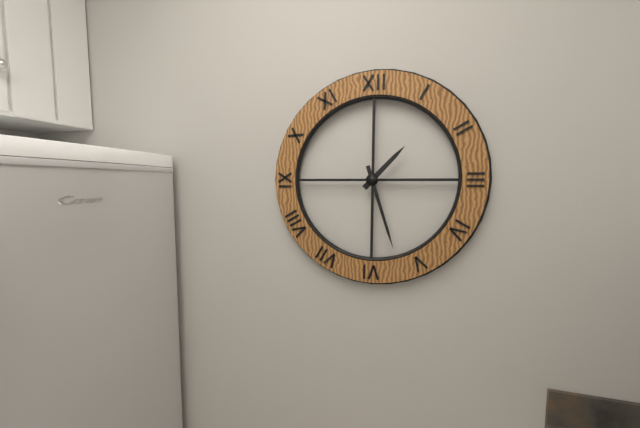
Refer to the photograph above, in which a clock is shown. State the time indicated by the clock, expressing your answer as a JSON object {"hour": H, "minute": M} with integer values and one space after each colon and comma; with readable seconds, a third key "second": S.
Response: {"hour": 1, "minute": 27}
